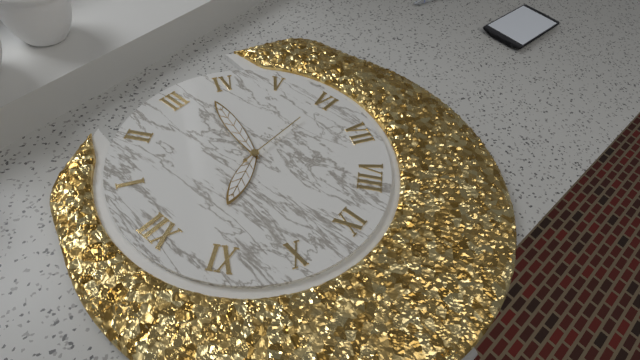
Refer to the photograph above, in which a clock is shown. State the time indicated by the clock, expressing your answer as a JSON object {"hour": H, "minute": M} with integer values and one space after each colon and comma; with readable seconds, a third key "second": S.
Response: {"hour": 11, "minute": 18, "second": 30}
